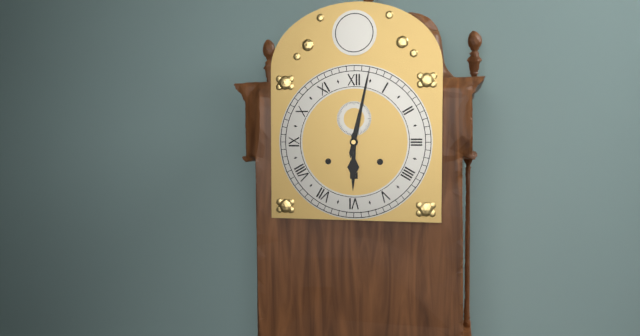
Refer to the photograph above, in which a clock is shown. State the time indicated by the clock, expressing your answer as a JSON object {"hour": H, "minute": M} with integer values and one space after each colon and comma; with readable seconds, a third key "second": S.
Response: {"hour": 6, "minute": 2}
